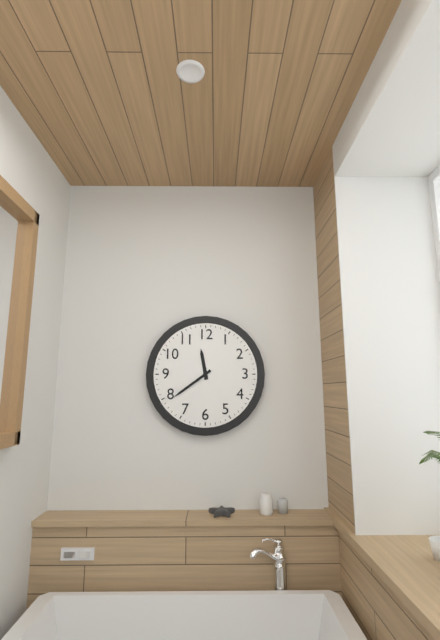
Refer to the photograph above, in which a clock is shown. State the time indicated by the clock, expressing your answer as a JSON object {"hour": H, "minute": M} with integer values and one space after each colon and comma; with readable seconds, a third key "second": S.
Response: {"hour": 11, "minute": 39}
